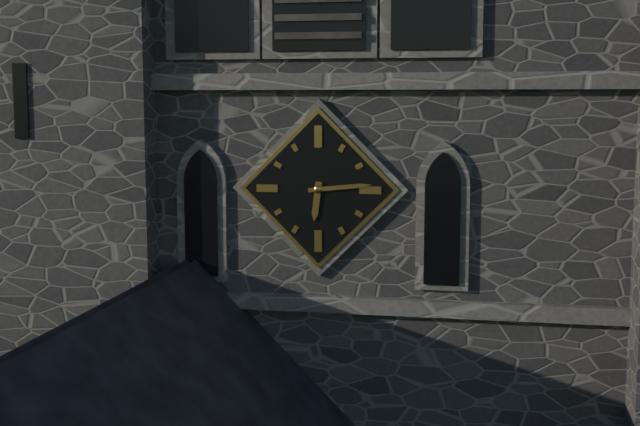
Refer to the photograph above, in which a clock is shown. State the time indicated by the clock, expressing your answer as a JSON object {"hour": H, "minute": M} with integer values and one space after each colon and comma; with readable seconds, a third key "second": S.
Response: {"hour": 6, "minute": 14}
